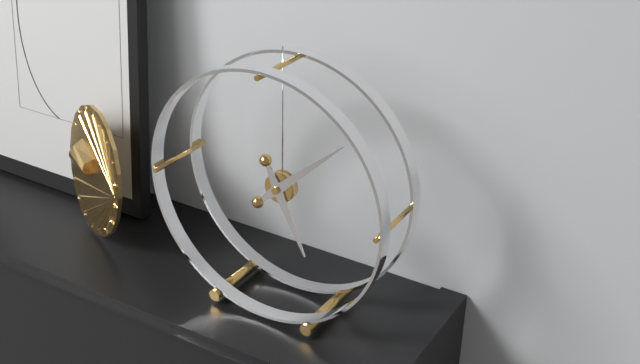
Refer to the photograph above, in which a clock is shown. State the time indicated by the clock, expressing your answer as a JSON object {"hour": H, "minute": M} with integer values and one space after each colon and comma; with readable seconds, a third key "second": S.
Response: {"hour": 5, "minute": 8}
